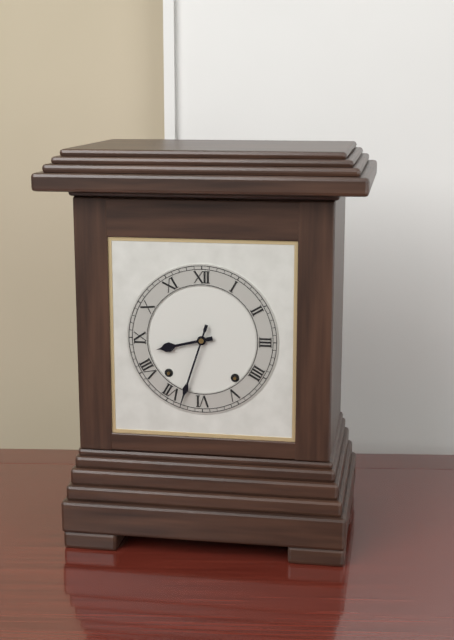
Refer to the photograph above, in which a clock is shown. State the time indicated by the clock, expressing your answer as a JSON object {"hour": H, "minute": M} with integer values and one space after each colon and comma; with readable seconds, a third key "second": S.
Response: {"hour": 8, "minute": 33}
